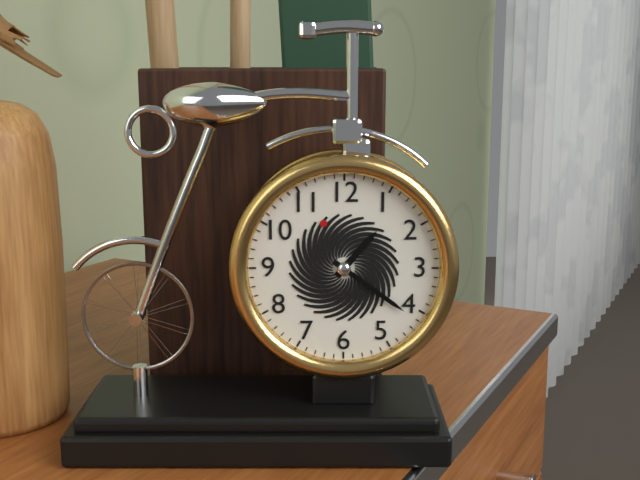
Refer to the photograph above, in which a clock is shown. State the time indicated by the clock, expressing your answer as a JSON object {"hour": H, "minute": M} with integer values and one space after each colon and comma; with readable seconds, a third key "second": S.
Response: {"hour": 1, "minute": 21}
